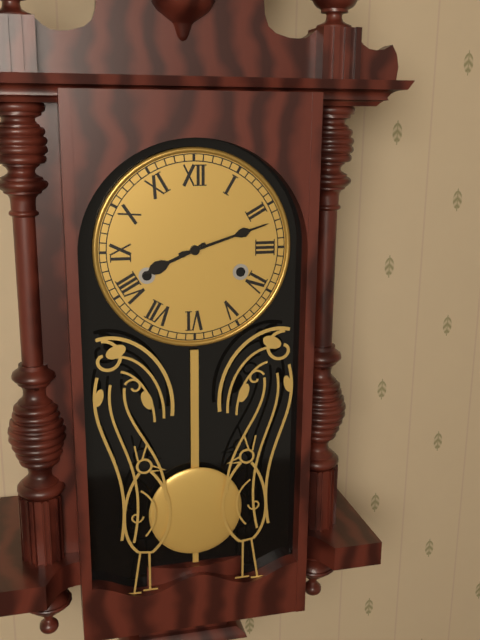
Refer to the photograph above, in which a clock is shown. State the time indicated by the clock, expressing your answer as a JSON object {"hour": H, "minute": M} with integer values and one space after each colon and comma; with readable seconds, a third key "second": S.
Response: {"hour": 8, "minute": 12}
